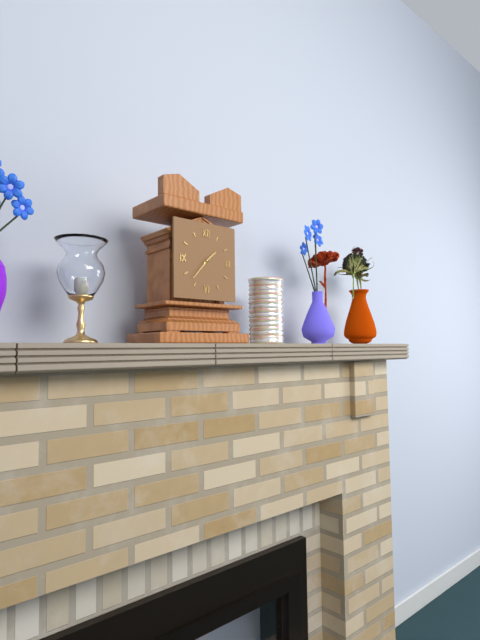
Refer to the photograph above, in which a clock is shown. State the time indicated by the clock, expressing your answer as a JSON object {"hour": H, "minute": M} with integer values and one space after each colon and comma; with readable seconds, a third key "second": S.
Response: {"hour": 1, "minute": 37}
